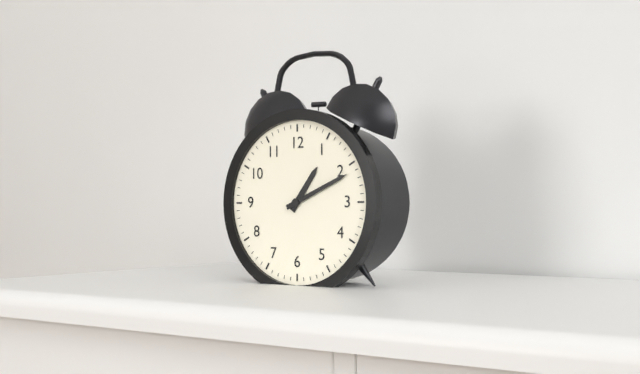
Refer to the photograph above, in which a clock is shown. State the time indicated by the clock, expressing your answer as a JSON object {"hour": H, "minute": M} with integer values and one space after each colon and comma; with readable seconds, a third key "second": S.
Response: {"hour": 1, "minute": 11}
